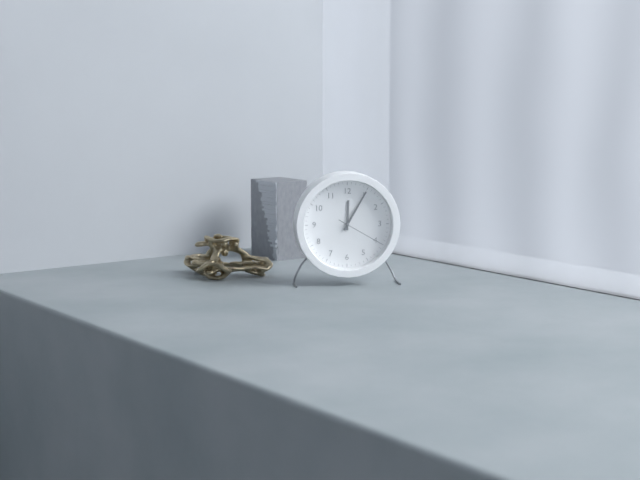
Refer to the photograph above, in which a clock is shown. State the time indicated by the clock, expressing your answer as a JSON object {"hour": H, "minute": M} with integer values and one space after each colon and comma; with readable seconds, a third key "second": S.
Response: {"hour": 12, "minute": 5}
